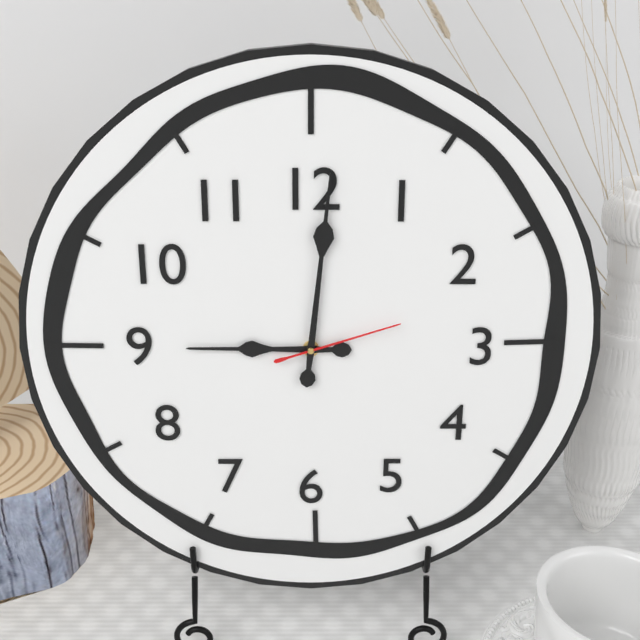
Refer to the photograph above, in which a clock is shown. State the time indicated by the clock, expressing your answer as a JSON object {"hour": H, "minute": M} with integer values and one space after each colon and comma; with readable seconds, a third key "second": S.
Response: {"hour": 9, "minute": 1, "second": 12}
